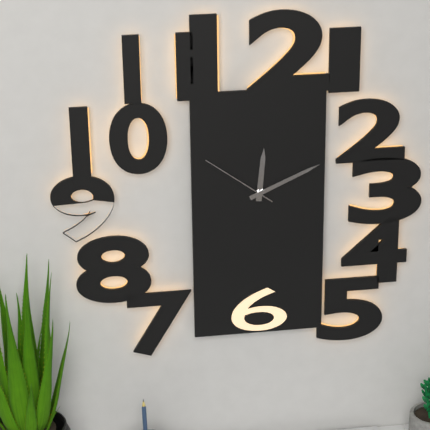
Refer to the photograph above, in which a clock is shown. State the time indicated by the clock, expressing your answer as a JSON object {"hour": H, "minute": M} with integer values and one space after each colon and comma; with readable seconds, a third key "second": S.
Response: {"hour": 12, "minute": 11, "second": 51}
